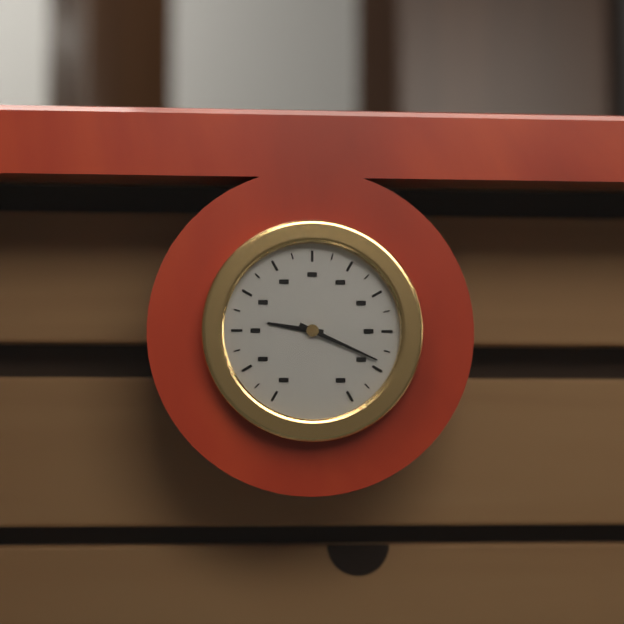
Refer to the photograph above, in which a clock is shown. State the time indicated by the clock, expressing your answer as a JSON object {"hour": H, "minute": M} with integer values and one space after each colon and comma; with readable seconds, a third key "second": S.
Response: {"hour": 9, "minute": 19}
